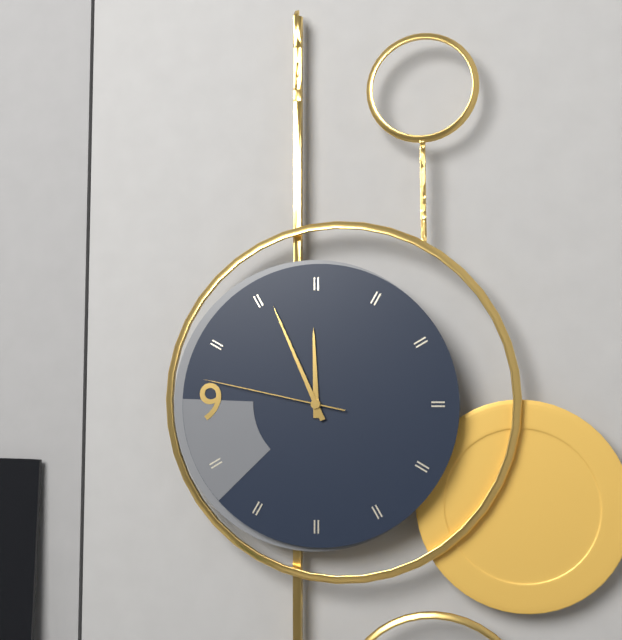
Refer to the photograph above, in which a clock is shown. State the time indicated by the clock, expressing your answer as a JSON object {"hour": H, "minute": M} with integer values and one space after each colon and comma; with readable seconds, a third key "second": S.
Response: {"hour": 11, "minute": 56, "second": 47}
